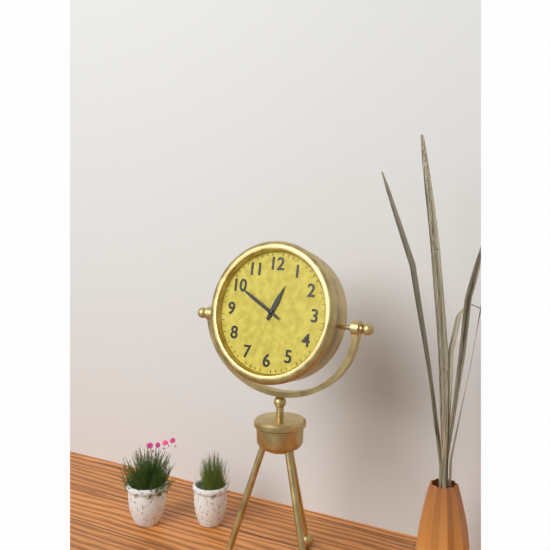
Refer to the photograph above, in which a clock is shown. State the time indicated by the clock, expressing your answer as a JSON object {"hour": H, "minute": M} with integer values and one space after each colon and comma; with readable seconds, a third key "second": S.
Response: {"hour": 12, "minute": 50}
